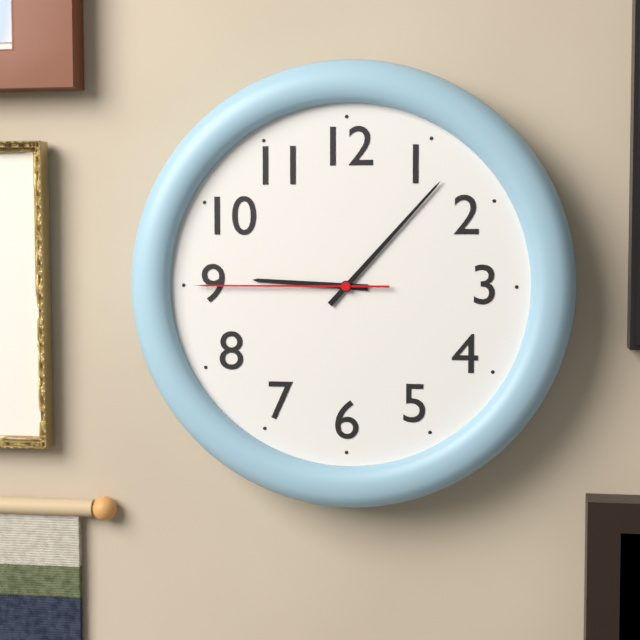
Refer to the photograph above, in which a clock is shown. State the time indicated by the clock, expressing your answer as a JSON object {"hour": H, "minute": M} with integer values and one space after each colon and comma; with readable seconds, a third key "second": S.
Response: {"hour": 9, "minute": 7, "second": 45}
